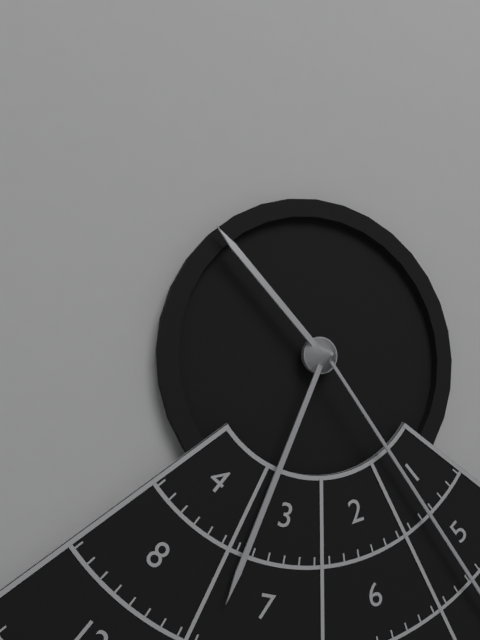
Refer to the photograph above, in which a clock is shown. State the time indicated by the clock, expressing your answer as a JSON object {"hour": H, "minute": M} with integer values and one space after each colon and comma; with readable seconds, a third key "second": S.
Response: {"hour": 10, "minute": 34}
